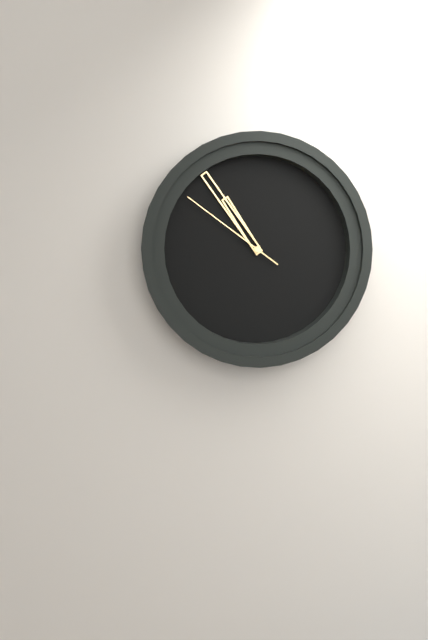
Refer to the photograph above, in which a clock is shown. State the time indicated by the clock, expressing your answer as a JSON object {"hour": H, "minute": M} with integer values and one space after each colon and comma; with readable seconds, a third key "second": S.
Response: {"hour": 10, "minute": 54, "second": 51}
